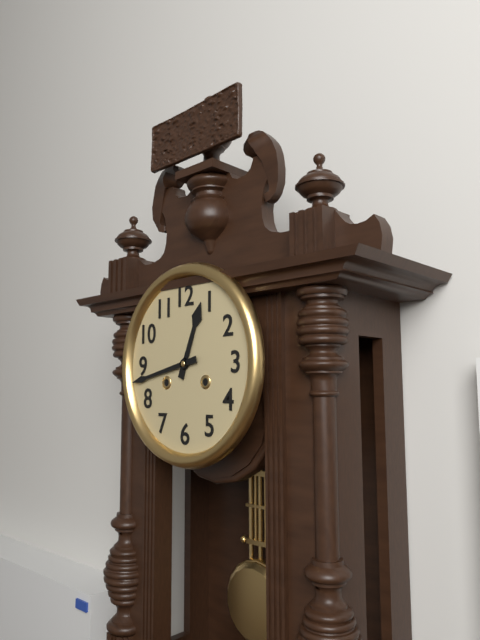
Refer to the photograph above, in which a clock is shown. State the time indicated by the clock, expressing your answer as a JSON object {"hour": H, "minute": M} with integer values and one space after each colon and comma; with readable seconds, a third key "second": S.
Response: {"hour": 12, "minute": 43}
